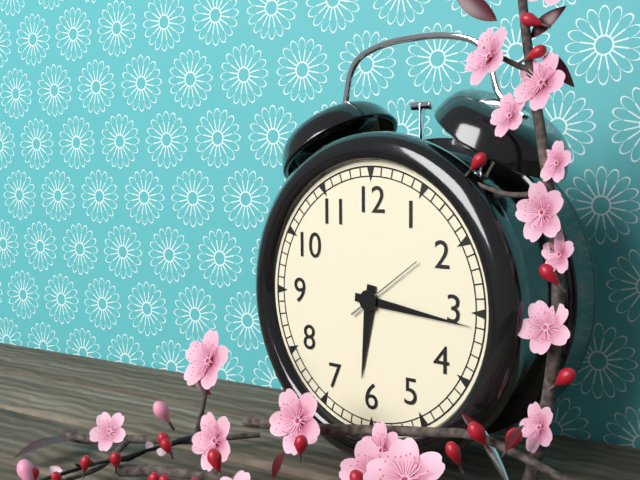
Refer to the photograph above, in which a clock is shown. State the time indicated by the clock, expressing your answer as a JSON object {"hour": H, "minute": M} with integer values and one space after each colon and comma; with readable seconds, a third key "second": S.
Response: {"hour": 6, "minute": 16, "second": 9}
